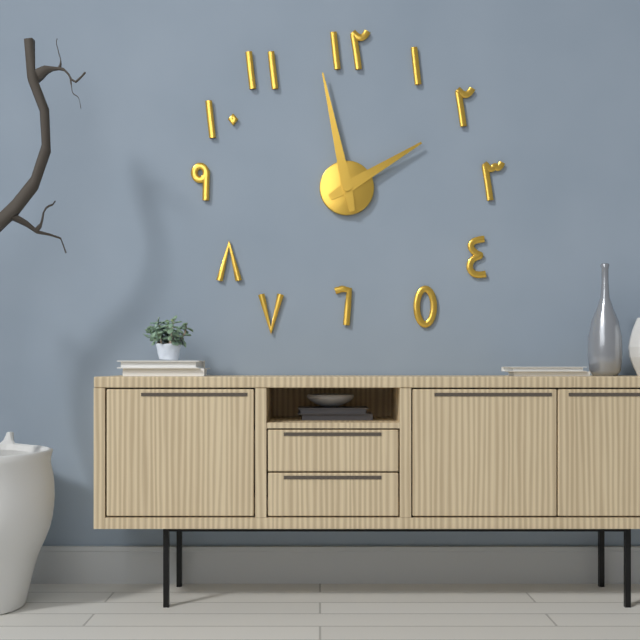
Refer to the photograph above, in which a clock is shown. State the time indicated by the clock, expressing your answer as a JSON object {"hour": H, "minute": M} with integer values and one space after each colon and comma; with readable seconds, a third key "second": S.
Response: {"hour": 1, "minute": 58}
